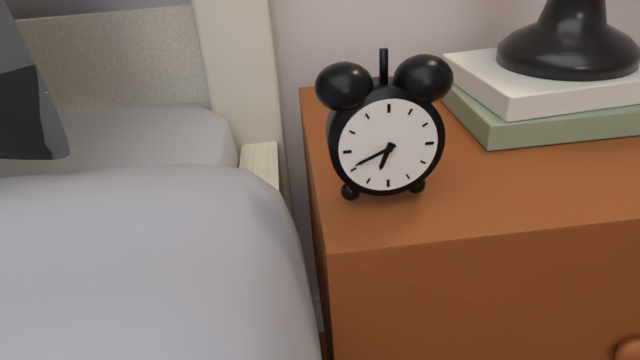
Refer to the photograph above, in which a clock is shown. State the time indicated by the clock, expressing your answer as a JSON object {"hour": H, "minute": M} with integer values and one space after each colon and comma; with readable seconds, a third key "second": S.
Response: {"hour": 6, "minute": 41}
